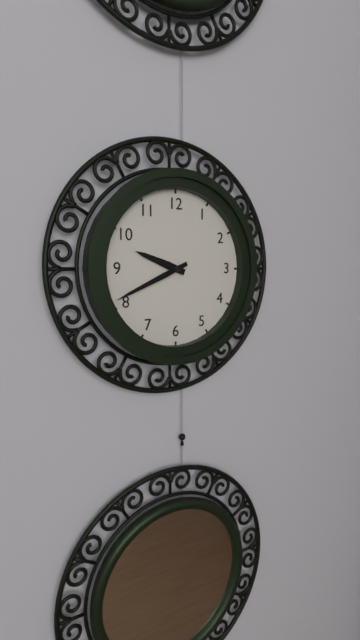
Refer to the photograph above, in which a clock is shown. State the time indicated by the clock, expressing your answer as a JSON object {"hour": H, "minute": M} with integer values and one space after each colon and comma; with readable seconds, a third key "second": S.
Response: {"hour": 9, "minute": 41}
